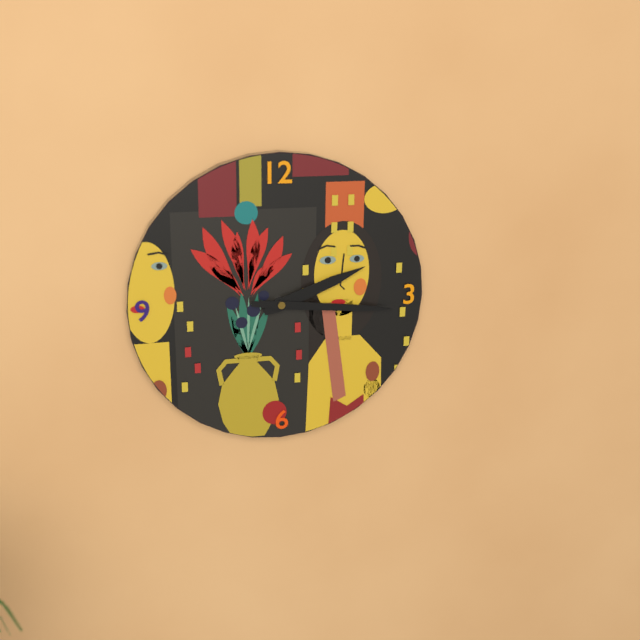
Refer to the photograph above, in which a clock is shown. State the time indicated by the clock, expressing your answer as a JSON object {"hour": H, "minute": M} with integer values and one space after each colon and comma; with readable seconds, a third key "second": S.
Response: {"hour": 2, "minute": 16}
